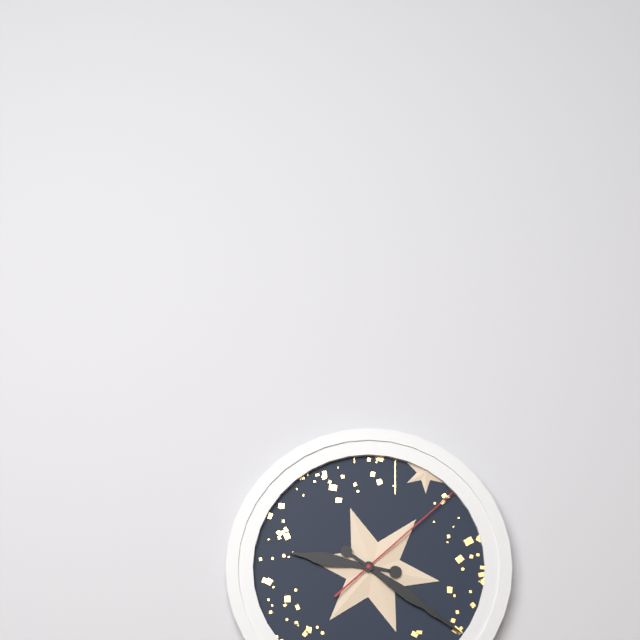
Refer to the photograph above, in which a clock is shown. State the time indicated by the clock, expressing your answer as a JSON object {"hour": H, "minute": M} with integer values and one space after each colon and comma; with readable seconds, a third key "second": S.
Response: {"hour": 9, "minute": 21, "second": 8}
